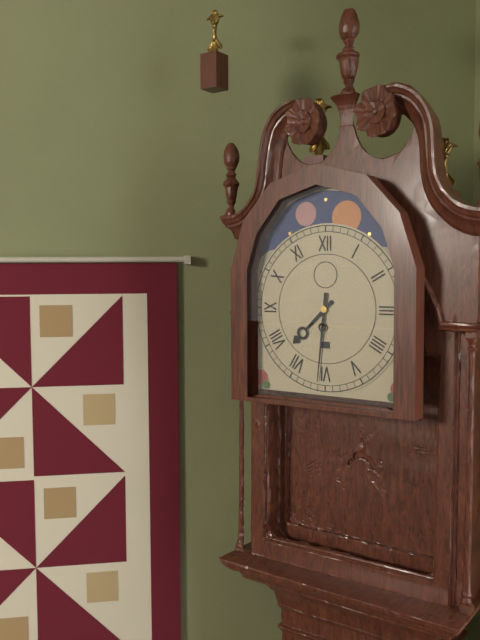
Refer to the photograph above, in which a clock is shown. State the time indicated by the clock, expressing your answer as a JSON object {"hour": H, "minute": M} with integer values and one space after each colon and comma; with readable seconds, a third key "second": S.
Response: {"hour": 7, "minute": 31}
